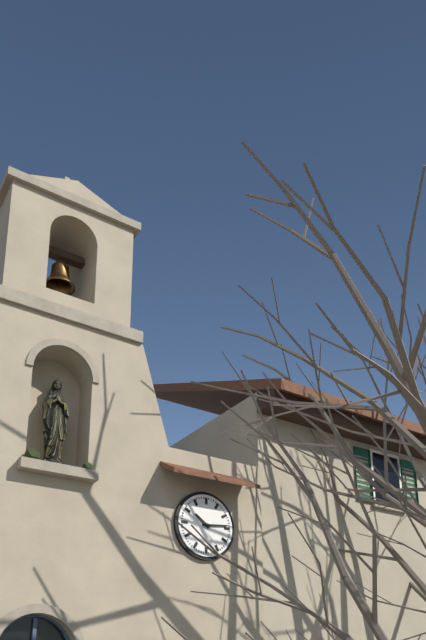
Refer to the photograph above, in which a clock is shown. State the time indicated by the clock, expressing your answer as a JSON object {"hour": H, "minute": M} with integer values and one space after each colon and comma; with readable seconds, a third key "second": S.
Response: {"hour": 10, "minute": 14}
